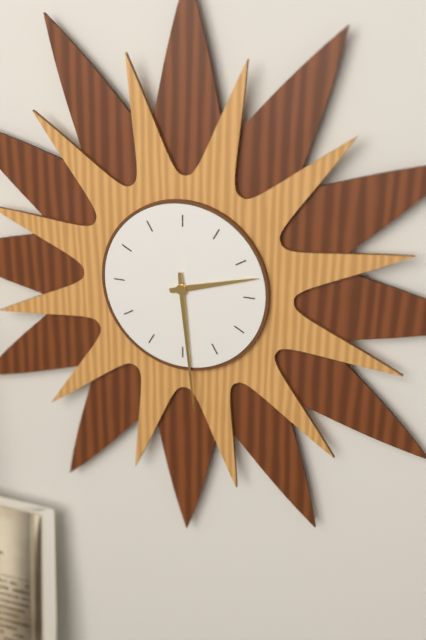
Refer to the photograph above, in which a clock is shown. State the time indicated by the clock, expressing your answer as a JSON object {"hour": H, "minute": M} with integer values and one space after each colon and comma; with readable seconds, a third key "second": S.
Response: {"hour": 2, "minute": 29}
